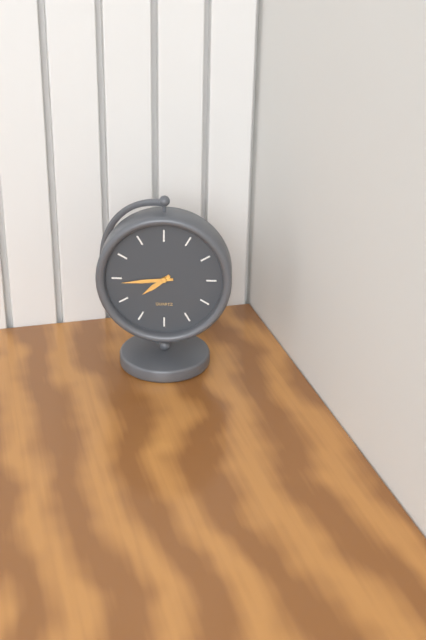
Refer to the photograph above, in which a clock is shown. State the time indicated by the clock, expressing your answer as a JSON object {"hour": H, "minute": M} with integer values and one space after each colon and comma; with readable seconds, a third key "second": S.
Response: {"hour": 7, "minute": 44}
